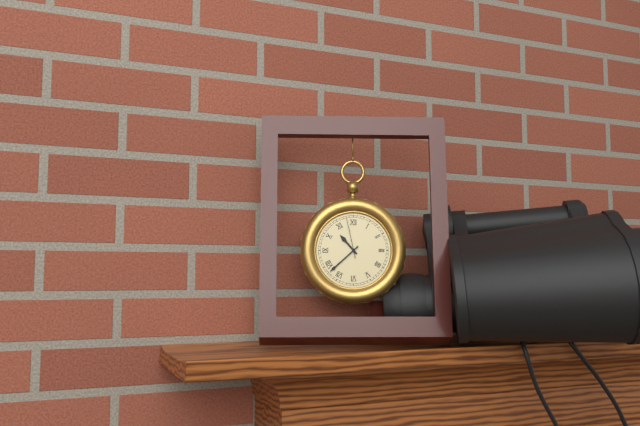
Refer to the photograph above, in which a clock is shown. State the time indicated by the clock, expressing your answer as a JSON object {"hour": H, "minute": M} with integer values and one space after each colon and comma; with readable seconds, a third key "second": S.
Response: {"hour": 10, "minute": 38}
